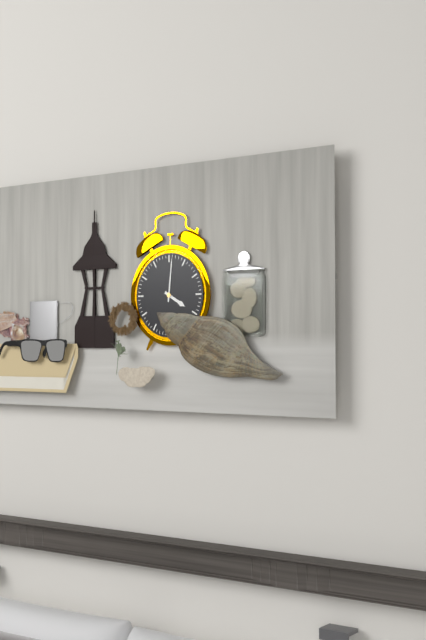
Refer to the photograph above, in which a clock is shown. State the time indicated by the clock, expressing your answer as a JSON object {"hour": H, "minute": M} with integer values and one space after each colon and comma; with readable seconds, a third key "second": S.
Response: {"hour": 4, "minute": 1}
